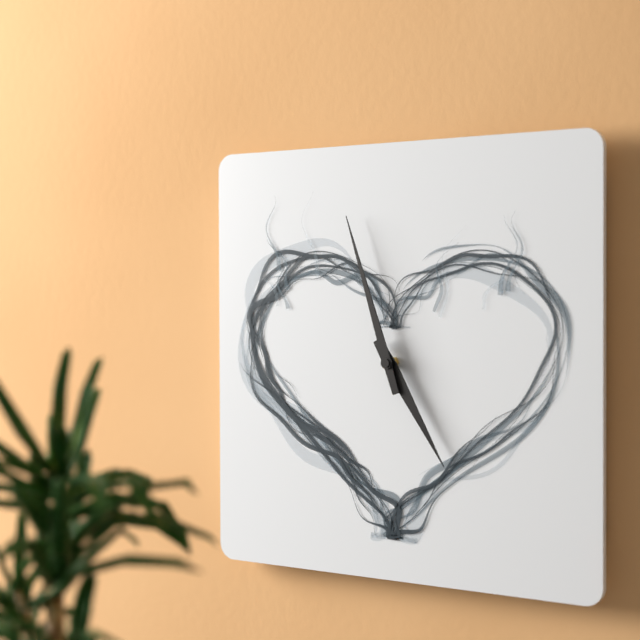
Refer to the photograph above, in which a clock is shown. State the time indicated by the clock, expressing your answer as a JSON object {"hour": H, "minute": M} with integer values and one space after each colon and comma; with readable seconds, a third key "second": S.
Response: {"hour": 4, "minute": 57}
